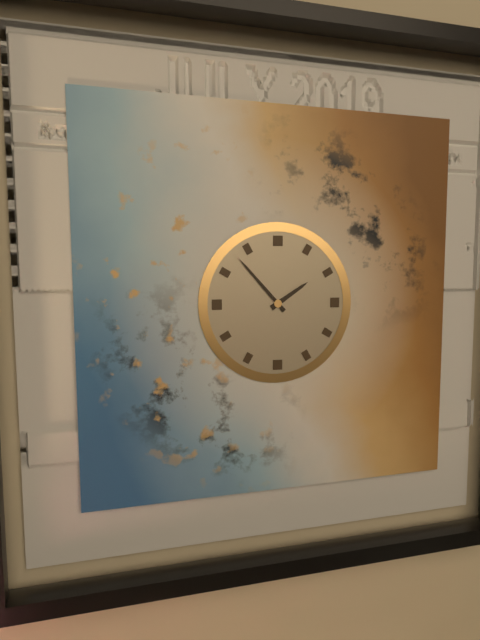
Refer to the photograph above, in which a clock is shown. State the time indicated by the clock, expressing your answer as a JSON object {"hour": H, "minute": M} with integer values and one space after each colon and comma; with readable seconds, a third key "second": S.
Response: {"hour": 1, "minute": 53}
